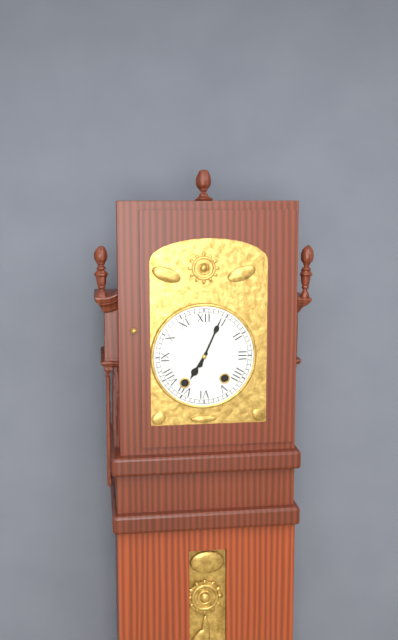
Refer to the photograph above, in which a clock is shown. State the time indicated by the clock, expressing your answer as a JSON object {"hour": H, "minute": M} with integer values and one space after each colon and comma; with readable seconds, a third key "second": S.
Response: {"hour": 7, "minute": 4}
